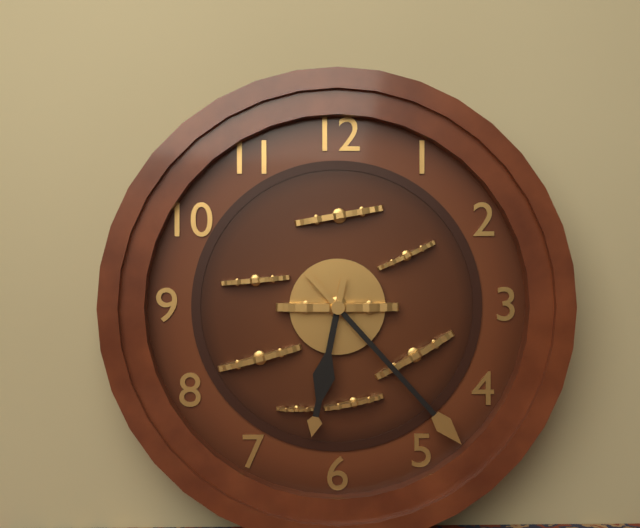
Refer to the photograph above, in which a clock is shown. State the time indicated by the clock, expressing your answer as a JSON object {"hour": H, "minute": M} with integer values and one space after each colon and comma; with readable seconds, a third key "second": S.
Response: {"hour": 6, "minute": 23}
